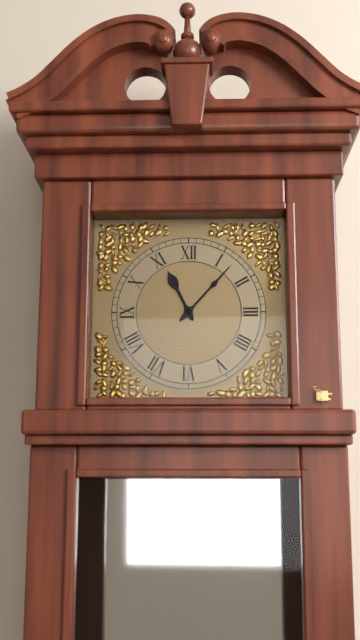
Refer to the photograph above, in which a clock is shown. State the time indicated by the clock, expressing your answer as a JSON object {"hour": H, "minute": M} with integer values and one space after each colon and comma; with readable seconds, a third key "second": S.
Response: {"hour": 11, "minute": 7}
